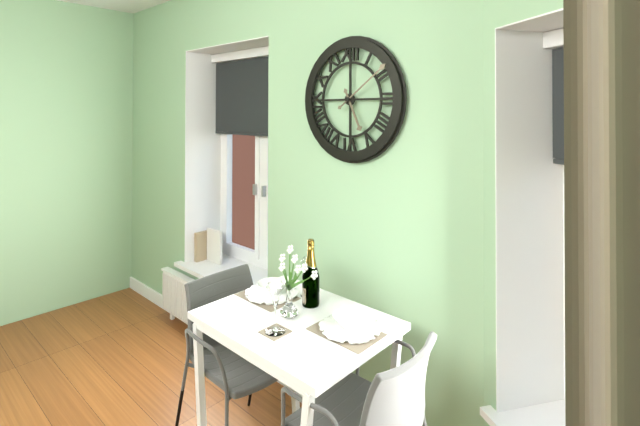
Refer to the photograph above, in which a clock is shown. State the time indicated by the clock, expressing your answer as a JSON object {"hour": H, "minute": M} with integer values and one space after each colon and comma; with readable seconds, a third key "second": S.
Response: {"hour": 5, "minute": 9}
